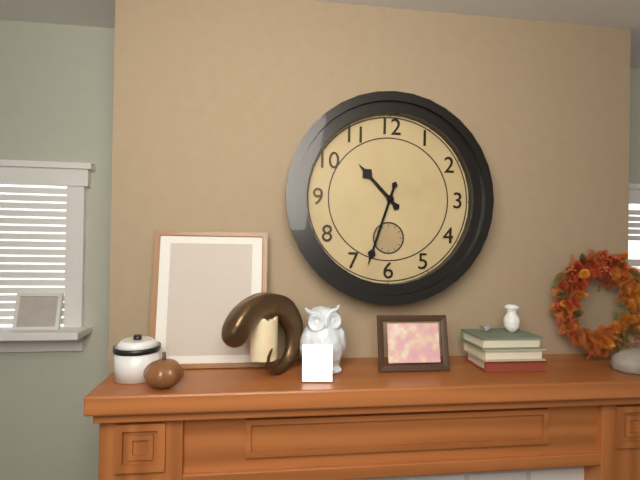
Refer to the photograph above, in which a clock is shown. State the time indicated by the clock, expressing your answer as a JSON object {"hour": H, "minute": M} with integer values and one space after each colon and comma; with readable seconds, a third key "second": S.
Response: {"hour": 10, "minute": 33}
